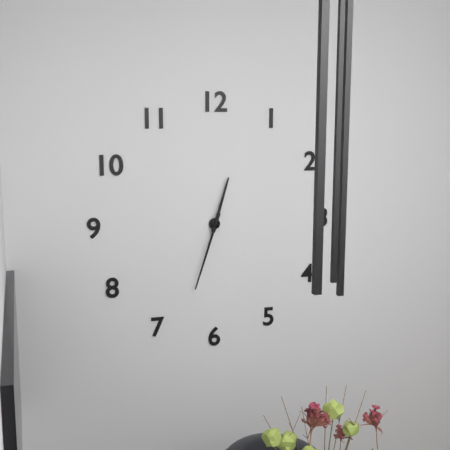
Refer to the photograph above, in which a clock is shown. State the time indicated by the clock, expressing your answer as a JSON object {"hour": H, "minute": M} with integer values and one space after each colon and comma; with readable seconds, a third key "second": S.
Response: {"hour": 12, "minute": 33}
